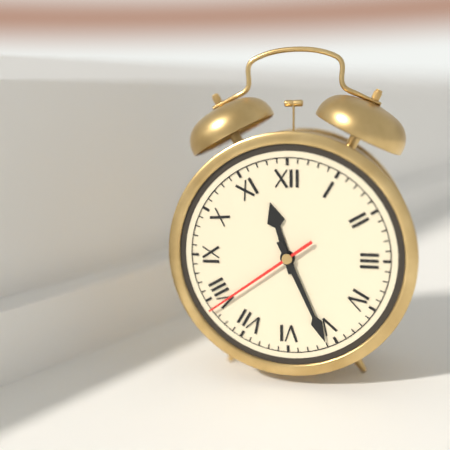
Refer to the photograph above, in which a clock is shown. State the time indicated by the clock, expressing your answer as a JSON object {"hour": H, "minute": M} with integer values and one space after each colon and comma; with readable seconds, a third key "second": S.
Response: {"hour": 11, "minute": 26, "second": 39}
